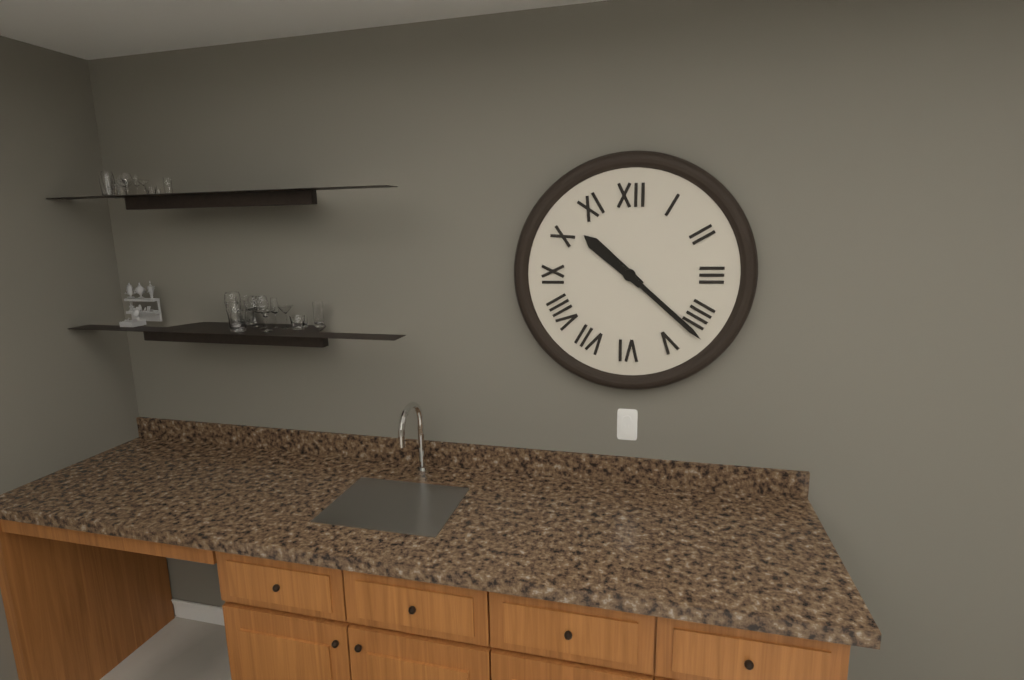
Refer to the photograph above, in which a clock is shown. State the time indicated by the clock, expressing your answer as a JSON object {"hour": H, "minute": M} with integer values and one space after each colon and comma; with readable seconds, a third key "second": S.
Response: {"hour": 10, "minute": 22}
